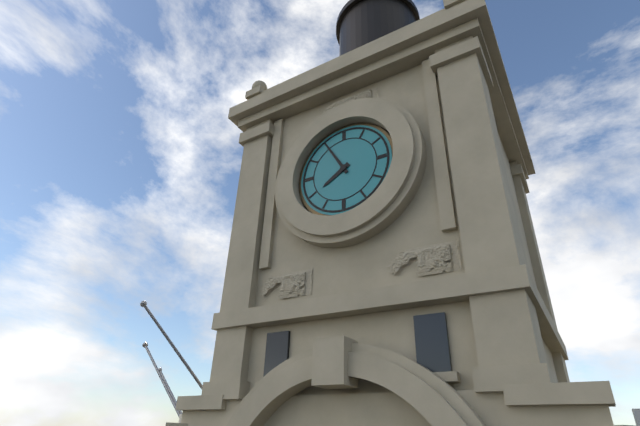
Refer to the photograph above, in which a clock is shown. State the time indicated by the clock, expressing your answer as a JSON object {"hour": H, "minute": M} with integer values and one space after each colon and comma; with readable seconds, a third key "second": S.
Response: {"hour": 7, "minute": 55}
